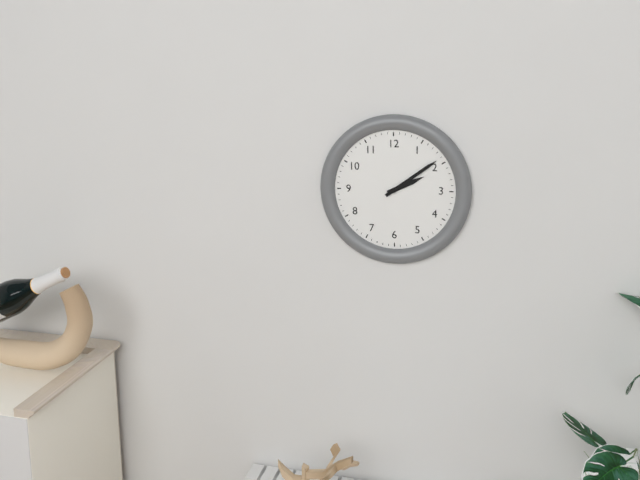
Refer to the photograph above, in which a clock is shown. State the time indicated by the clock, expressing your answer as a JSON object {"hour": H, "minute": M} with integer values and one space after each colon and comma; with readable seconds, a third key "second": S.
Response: {"hour": 2, "minute": 9}
